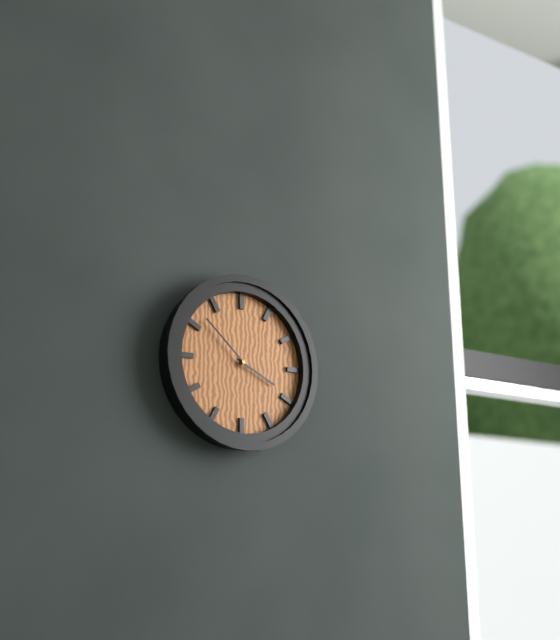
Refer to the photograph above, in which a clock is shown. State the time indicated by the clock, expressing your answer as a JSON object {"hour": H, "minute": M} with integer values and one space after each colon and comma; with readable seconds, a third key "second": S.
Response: {"hour": 3, "minute": 52}
